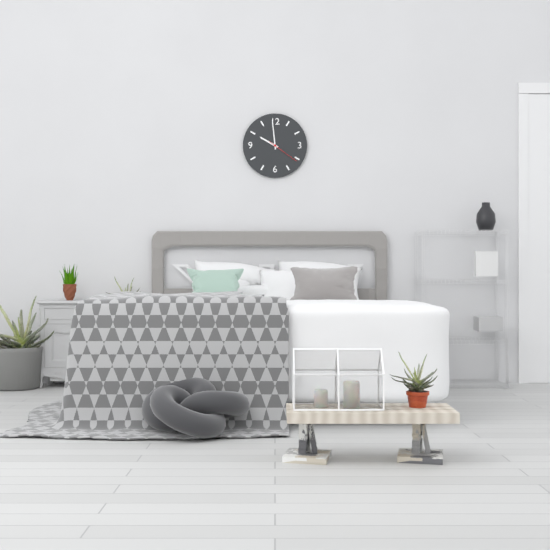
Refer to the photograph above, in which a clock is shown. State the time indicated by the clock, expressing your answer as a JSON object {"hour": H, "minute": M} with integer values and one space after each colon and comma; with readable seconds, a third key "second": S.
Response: {"hour": 9, "minute": 59}
